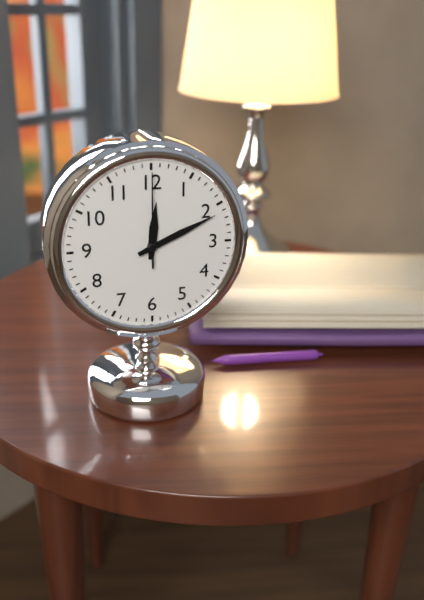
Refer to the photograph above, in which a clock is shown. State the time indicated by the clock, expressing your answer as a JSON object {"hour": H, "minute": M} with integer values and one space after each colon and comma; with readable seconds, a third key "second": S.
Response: {"hour": 12, "minute": 11, "second": 0}
